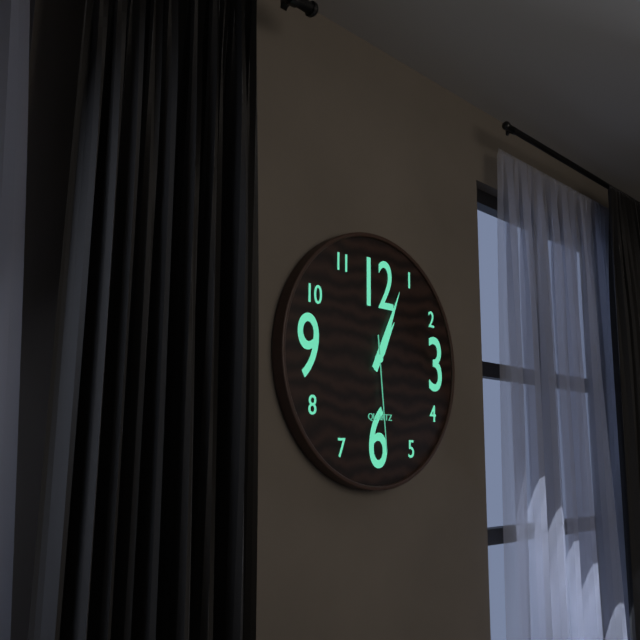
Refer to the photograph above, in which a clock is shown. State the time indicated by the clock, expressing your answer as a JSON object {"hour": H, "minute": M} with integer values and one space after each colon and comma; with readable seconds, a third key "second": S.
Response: {"hour": 1, "minute": 4, "second": 29}
